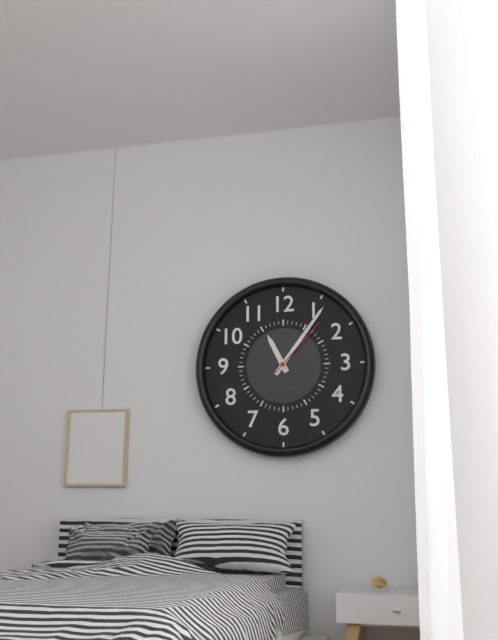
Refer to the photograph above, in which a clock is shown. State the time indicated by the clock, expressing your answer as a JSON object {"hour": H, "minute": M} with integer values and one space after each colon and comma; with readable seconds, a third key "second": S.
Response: {"hour": 11, "minute": 6, "second": 7}
